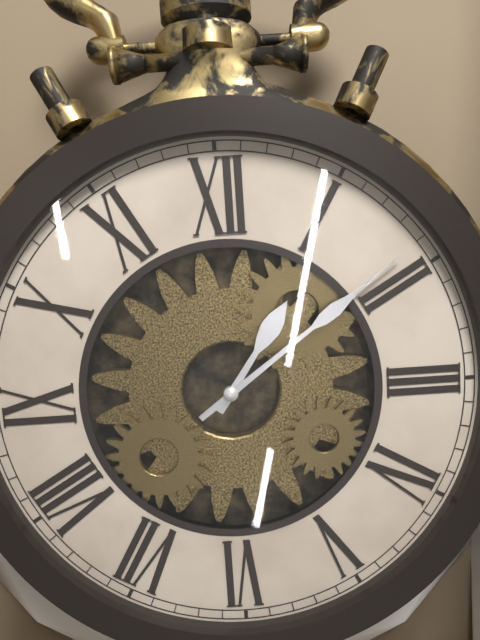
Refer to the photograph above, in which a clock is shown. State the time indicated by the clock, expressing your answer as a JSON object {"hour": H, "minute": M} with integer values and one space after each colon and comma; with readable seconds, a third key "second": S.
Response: {"hour": 1, "minute": 9}
